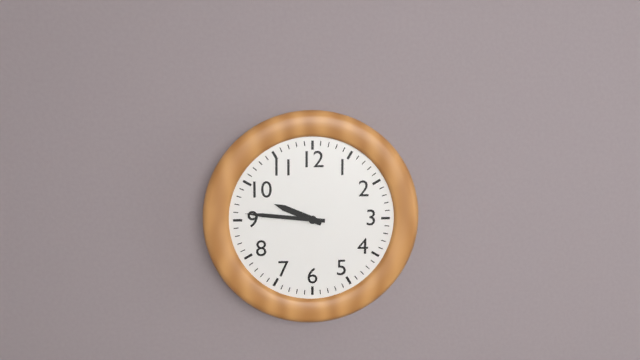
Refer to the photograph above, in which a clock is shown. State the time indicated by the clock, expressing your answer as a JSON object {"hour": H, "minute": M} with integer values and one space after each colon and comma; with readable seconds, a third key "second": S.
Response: {"hour": 9, "minute": 46}
